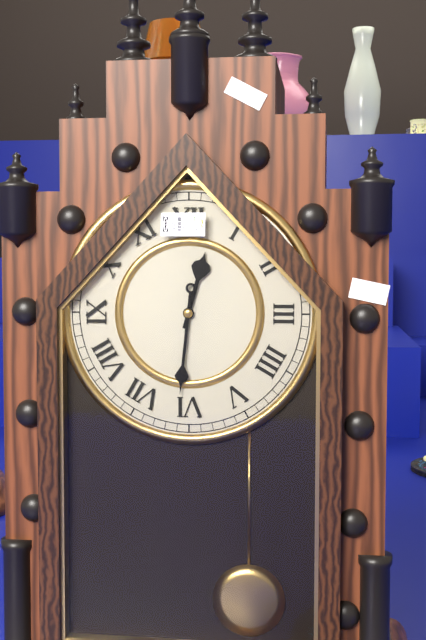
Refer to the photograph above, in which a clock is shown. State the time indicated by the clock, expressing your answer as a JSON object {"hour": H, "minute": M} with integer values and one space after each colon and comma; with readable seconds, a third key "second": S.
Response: {"hour": 12, "minute": 31}
